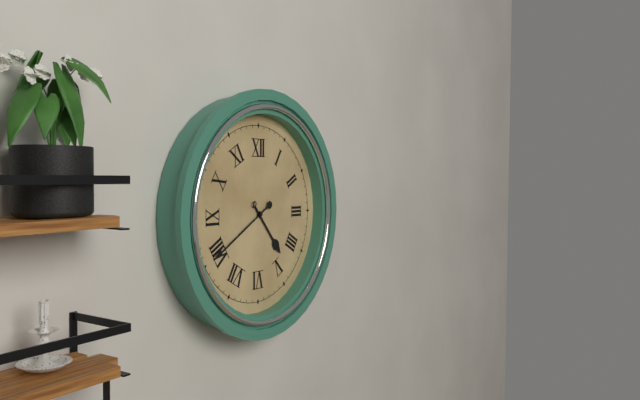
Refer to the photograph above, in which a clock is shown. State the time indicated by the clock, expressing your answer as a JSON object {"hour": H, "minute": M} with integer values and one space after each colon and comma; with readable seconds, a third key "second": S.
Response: {"hour": 4, "minute": 40}
